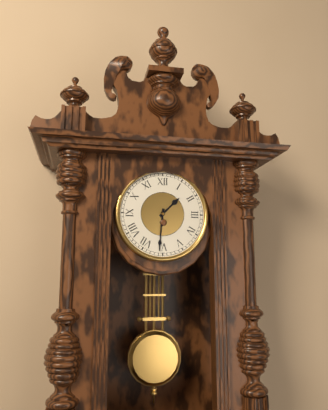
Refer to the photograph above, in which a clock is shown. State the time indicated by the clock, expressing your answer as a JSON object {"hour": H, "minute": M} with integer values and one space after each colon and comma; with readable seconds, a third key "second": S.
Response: {"hour": 1, "minute": 31}
